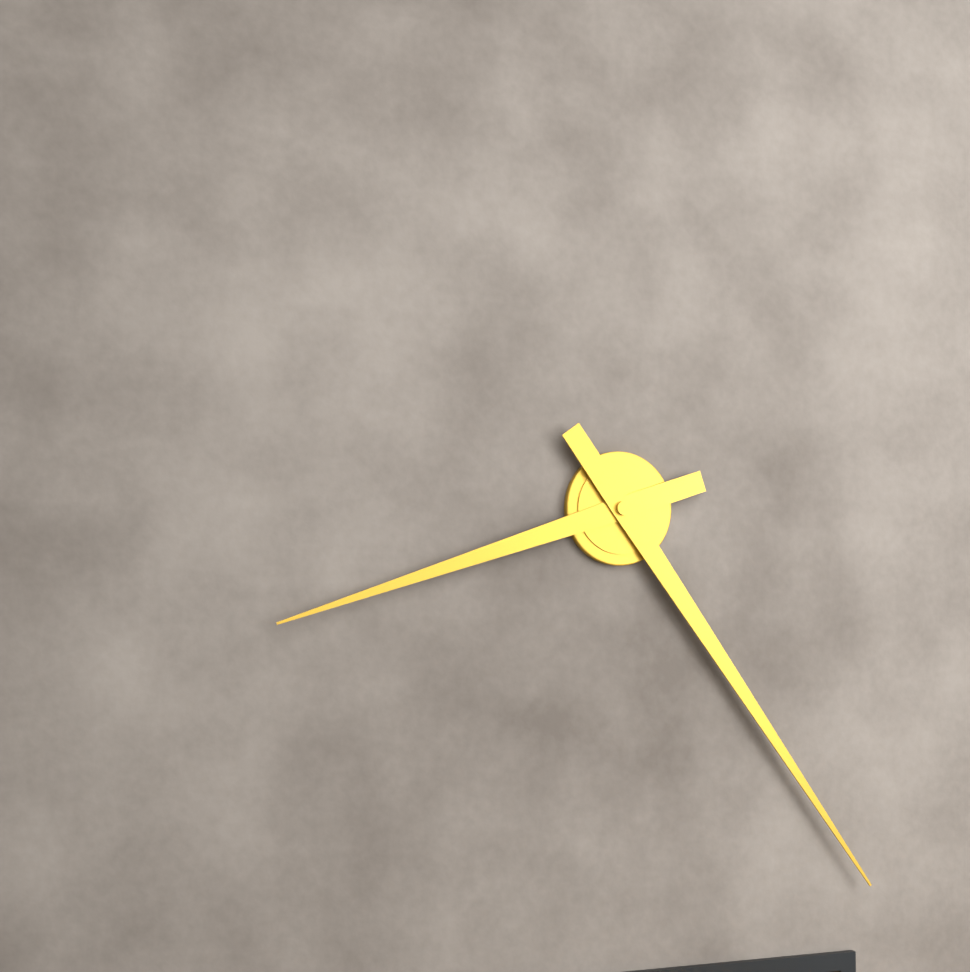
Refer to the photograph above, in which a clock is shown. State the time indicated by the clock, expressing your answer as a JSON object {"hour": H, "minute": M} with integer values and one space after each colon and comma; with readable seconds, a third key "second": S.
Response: {"hour": 8, "minute": 24}
